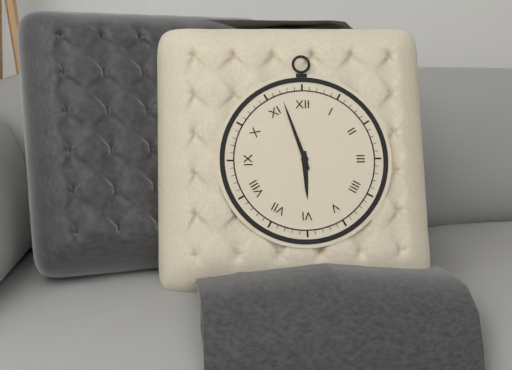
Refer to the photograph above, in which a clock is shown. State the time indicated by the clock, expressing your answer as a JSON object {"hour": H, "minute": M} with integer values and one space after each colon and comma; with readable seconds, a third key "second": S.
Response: {"hour": 5, "minute": 57}
